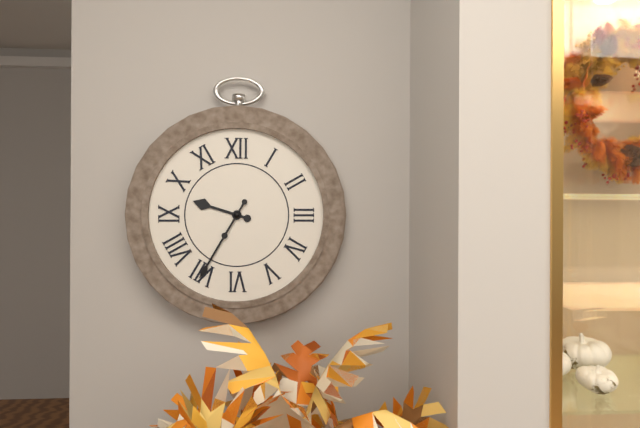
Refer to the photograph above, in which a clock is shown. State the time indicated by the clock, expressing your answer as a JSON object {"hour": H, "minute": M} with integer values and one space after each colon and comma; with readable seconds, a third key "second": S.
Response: {"hour": 9, "minute": 35}
